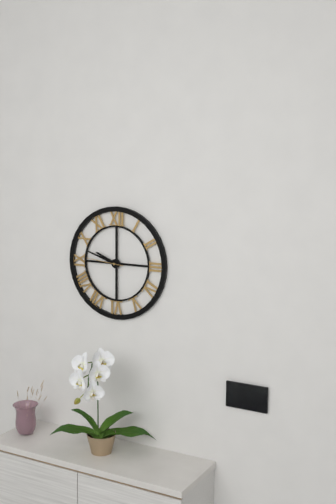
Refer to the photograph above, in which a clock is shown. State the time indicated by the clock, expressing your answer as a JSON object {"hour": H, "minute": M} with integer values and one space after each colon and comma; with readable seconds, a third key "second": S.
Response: {"hour": 9, "minute": 48}
